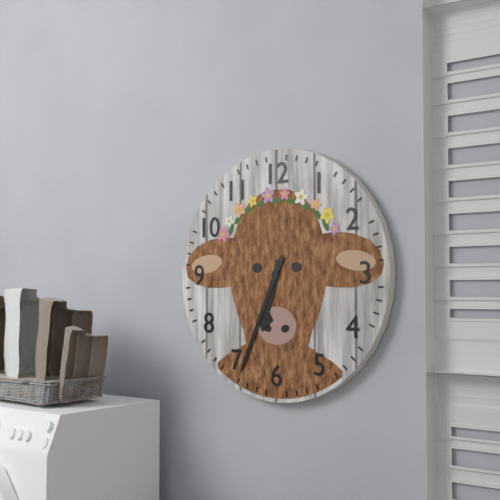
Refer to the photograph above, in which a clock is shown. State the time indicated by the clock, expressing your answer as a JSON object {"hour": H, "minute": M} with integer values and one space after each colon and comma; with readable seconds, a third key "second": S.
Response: {"hour": 6, "minute": 34}
